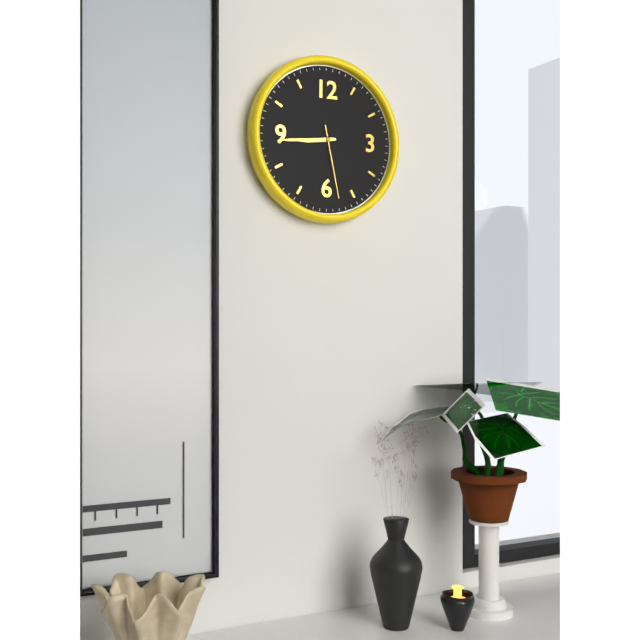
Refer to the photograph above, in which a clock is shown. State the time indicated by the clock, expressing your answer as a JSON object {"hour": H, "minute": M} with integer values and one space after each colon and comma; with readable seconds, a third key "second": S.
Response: {"hour": 8, "minute": 44, "second": 28}
